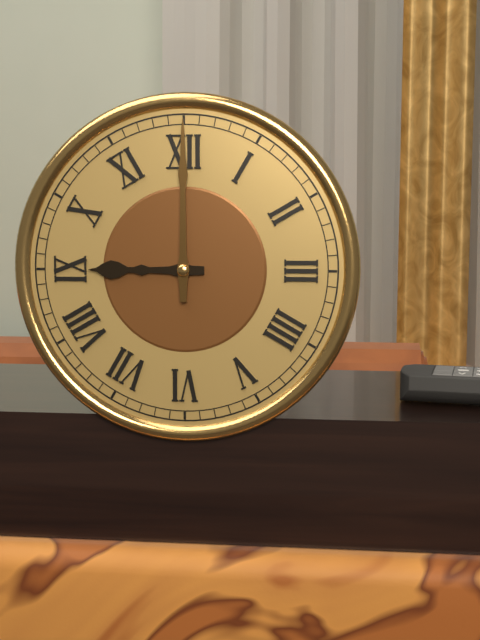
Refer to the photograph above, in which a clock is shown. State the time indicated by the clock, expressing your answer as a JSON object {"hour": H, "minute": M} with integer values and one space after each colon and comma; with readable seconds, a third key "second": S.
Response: {"hour": 9, "minute": 0}
